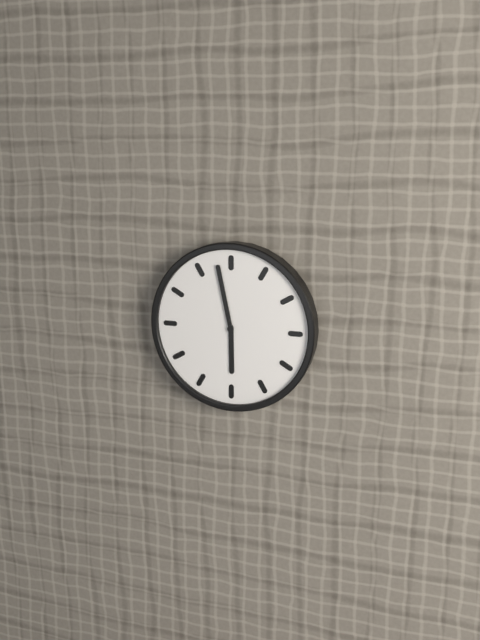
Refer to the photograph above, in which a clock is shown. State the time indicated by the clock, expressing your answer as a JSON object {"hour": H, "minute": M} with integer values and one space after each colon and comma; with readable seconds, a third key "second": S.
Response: {"hour": 5, "minute": 58}
